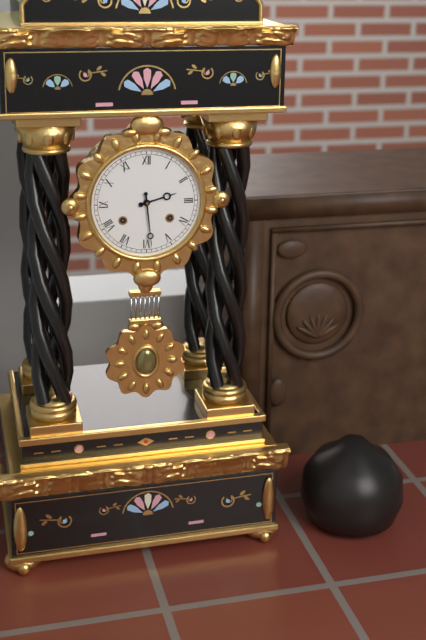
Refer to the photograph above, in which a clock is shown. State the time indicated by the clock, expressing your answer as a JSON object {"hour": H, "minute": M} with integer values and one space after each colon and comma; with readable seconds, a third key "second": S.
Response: {"hour": 2, "minute": 29}
